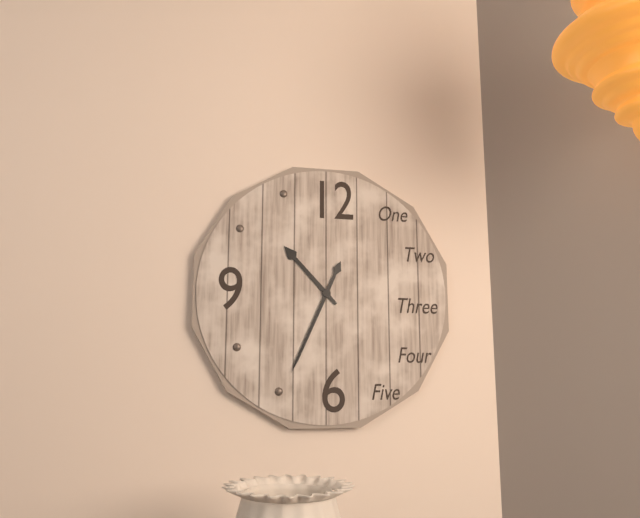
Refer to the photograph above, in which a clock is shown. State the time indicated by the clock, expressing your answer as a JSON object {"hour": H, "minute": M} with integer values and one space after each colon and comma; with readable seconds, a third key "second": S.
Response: {"hour": 10, "minute": 34}
